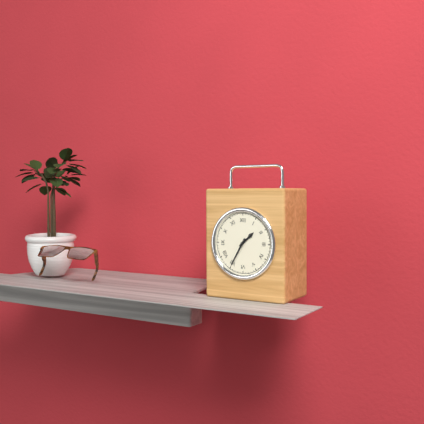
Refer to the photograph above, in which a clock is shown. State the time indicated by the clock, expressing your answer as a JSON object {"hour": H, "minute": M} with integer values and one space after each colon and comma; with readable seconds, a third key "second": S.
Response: {"hour": 1, "minute": 35}
